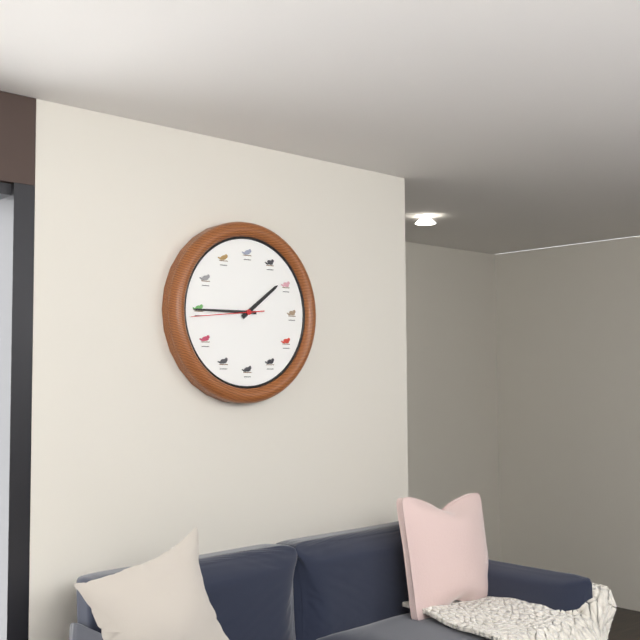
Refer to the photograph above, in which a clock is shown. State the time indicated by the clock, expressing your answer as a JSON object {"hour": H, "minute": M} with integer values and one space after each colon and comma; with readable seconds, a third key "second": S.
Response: {"hour": 1, "minute": 45, "second": 44}
